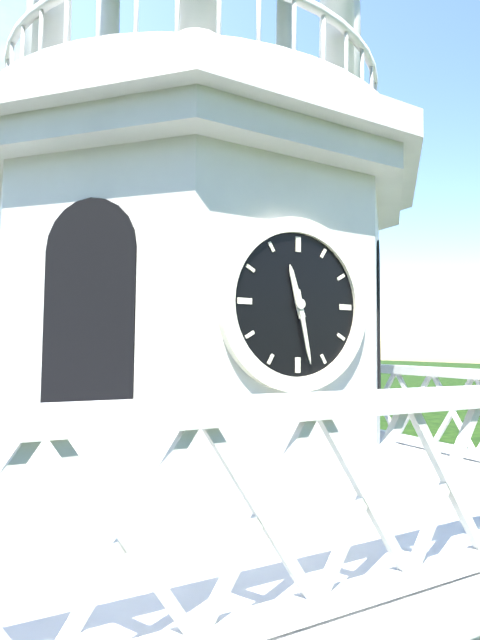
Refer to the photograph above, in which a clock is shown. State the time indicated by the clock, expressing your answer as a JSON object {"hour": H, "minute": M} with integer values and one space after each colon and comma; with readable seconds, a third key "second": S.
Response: {"hour": 11, "minute": 28}
